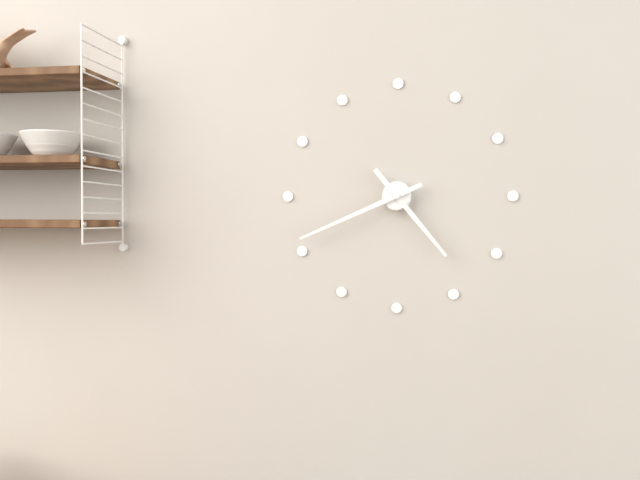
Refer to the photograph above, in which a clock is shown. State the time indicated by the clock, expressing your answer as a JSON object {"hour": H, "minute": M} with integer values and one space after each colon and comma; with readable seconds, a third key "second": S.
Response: {"hour": 4, "minute": 41}
